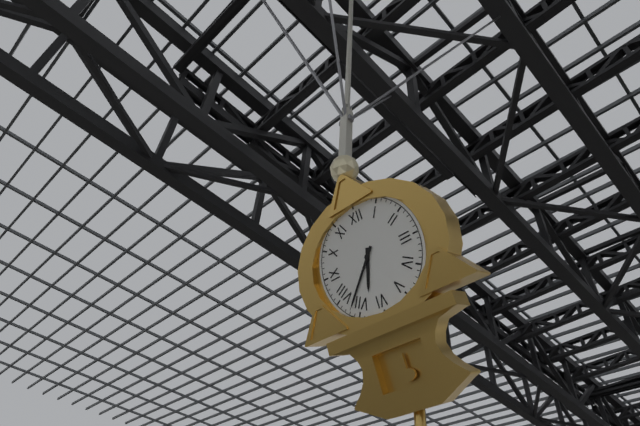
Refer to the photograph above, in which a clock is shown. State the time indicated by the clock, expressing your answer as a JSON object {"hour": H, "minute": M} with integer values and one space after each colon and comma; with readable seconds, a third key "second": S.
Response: {"hour": 6, "minute": 37}
